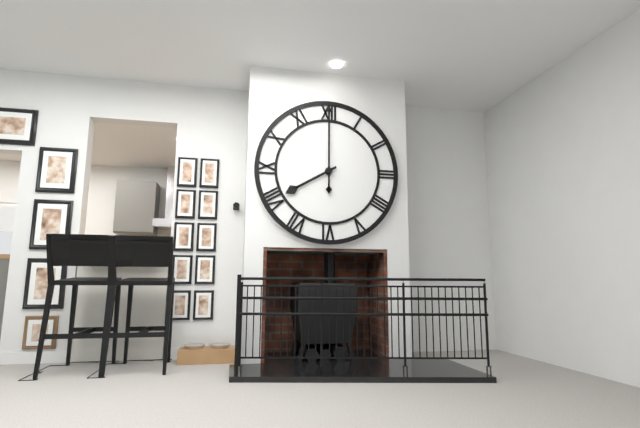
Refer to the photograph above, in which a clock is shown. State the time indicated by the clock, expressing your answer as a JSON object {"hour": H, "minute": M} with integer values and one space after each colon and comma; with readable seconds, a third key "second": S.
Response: {"hour": 8, "minute": 0}
